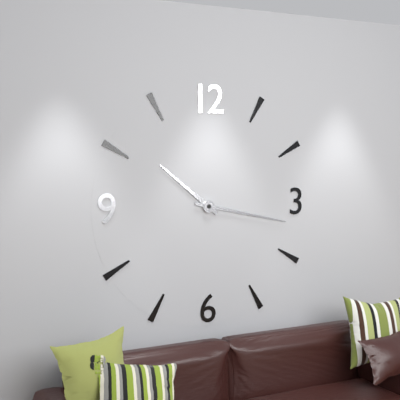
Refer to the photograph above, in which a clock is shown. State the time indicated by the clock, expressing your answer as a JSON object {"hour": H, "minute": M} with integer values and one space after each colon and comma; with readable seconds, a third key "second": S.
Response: {"hour": 10, "minute": 17}
